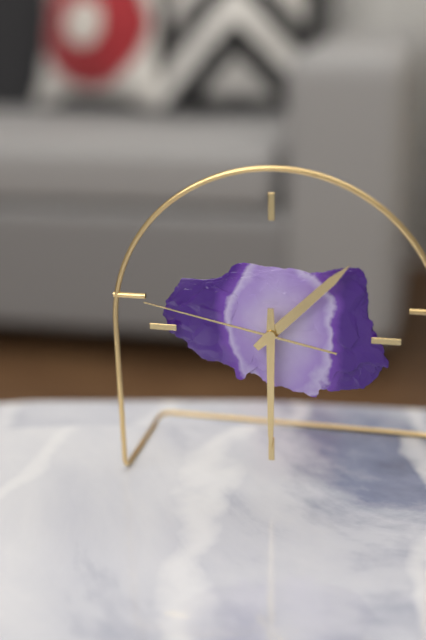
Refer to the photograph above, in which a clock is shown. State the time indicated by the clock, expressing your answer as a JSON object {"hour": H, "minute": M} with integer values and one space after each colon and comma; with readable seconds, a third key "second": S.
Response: {"hour": 1, "minute": 30, "second": 47}
